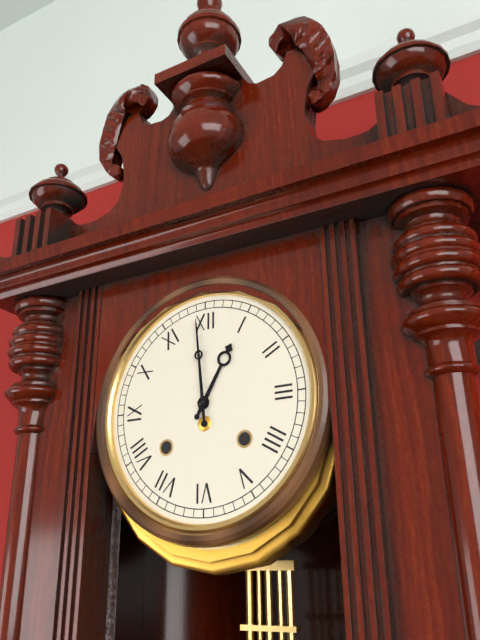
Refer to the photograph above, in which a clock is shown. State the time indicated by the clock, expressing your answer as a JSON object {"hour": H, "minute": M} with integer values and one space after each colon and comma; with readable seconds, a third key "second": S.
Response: {"hour": 12, "minute": 59}
